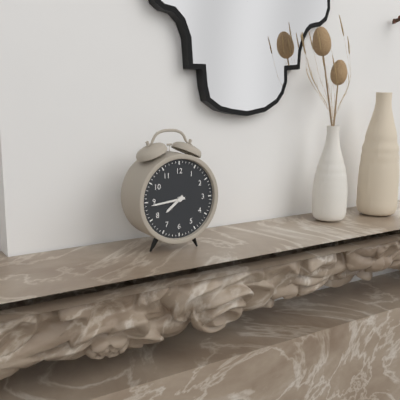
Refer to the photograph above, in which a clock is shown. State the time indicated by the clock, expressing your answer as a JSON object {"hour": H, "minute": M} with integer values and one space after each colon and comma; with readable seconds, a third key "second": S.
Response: {"hour": 7, "minute": 44}
